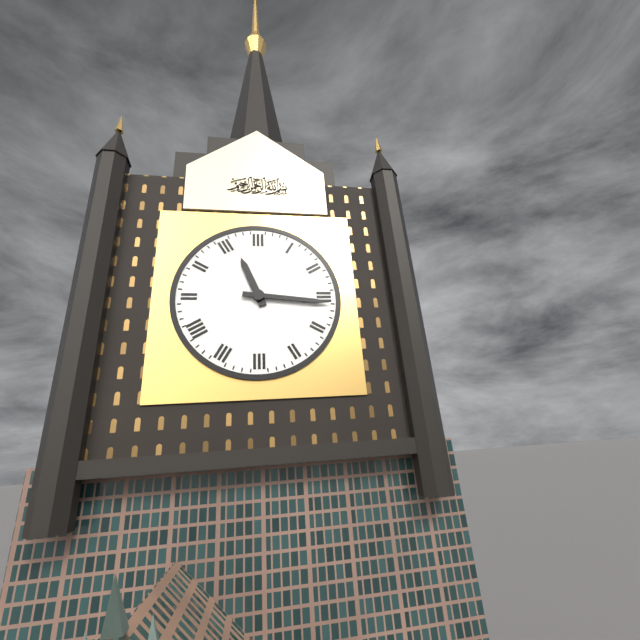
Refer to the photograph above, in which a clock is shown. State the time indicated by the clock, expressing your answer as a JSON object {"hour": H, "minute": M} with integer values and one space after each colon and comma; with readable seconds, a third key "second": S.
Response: {"hour": 11, "minute": 16}
